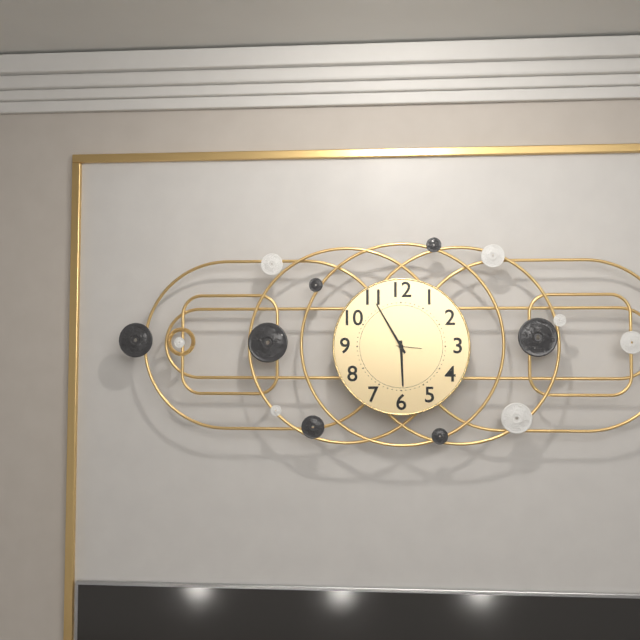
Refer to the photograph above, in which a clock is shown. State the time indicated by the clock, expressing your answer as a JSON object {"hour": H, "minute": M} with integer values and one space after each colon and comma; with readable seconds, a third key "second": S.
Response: {"hour": 5, "minute": 55}
